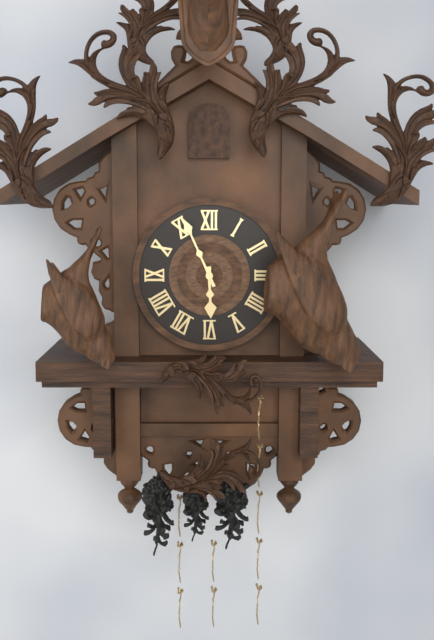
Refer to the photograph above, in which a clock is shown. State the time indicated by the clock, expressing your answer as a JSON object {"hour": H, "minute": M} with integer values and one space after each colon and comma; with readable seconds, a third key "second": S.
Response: {"hour": 5, "minute": 56}
